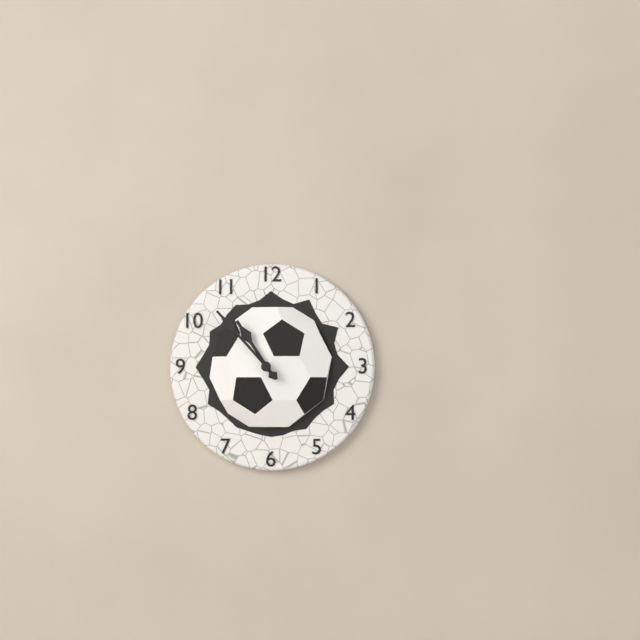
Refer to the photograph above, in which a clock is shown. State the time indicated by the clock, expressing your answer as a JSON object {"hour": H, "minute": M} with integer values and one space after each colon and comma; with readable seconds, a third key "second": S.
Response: {"hour": 10, "minute": 53}
